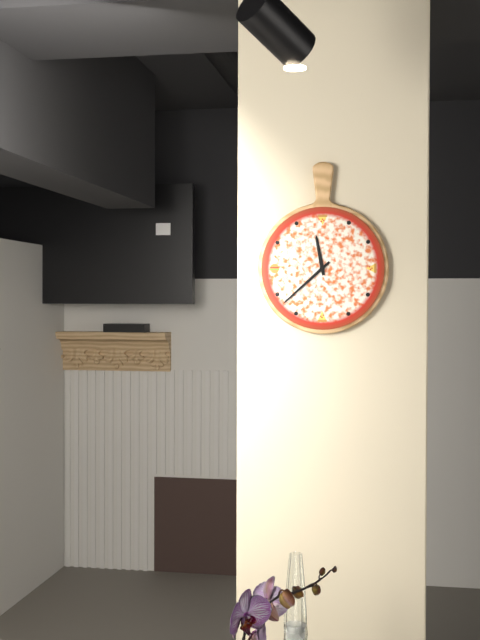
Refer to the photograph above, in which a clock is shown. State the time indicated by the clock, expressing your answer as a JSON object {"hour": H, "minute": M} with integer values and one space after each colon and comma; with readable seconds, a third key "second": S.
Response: {"hour": 11, "minute": 38}
